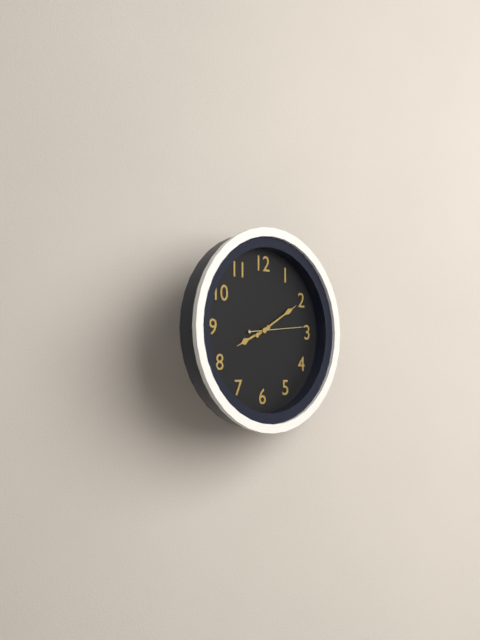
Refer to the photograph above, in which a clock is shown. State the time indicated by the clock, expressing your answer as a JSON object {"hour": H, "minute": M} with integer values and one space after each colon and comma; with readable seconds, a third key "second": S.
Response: {"hour": 8, "minute": 10, "second": 14}
